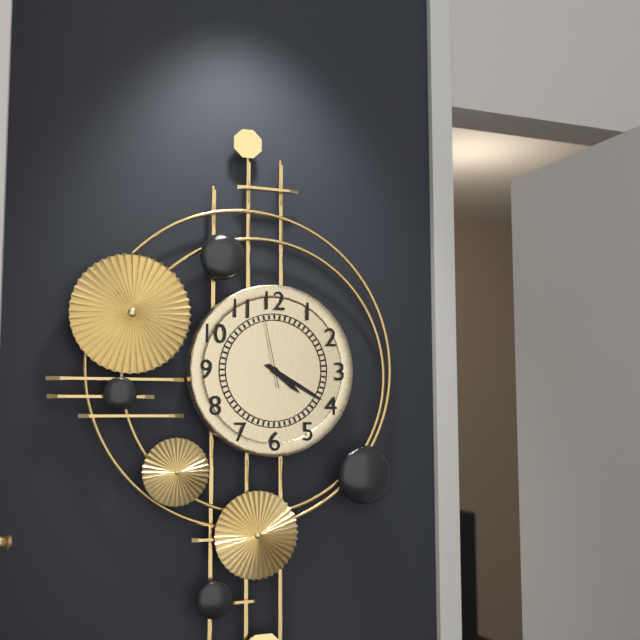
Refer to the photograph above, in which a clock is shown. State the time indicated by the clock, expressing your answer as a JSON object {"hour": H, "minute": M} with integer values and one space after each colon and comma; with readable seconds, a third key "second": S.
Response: {"hour": 4, "minute": 20, "second": 58}
